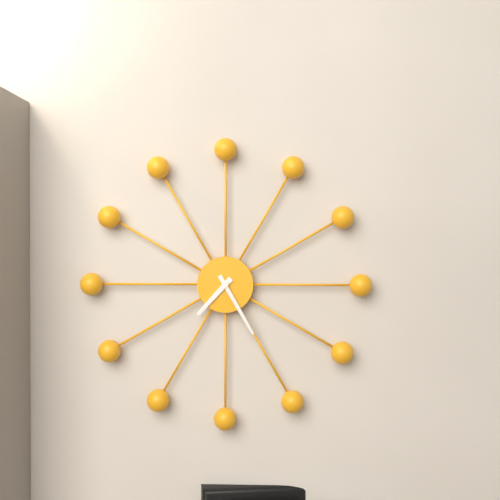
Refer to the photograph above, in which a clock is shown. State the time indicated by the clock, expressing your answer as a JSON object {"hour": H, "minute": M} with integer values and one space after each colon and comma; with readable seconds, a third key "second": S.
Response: {"hour": 7, "minute": 25}
